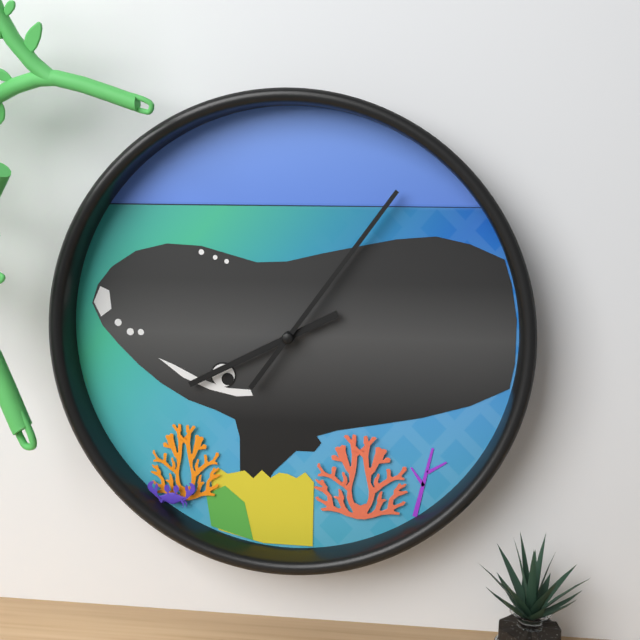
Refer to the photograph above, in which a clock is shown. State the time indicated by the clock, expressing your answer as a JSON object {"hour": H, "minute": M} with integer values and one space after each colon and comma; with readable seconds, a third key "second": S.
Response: {"hour": 8, "minute": 6}
